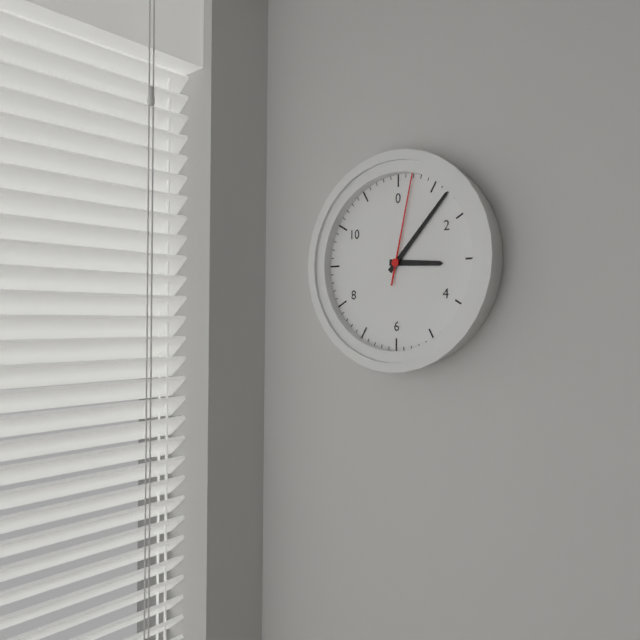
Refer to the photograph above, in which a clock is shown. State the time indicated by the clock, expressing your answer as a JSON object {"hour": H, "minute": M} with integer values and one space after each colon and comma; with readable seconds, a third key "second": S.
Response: {"hour": 3, "minute": 7, "second": 2}
